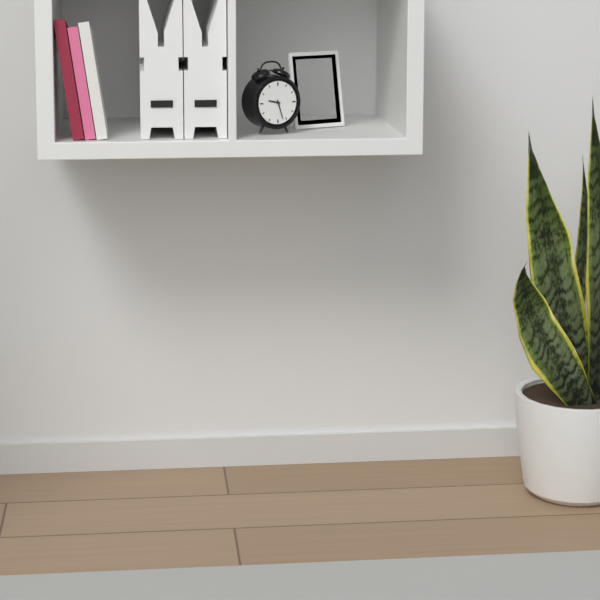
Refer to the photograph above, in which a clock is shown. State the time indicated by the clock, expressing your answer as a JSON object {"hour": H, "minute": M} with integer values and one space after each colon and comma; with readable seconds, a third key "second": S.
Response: {"hour": 9, "minute": 27}
